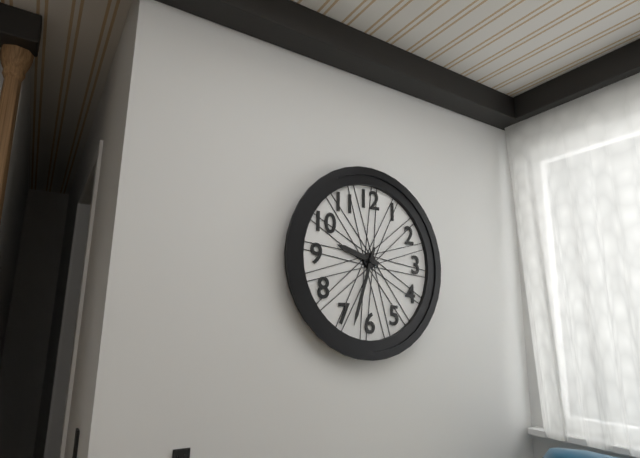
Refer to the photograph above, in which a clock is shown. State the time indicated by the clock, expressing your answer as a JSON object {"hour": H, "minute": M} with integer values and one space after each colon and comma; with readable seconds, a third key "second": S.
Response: {"hour": 9, "minute": 33}
